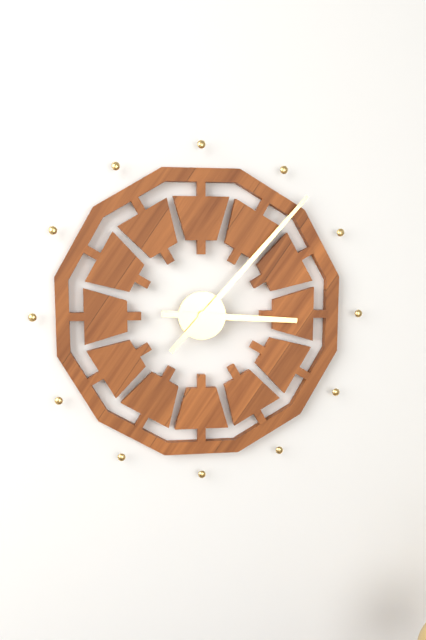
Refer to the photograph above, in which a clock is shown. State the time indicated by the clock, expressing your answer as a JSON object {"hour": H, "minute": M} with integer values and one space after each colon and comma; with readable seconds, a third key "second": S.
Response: {"hour": 3, "minute": 7}
